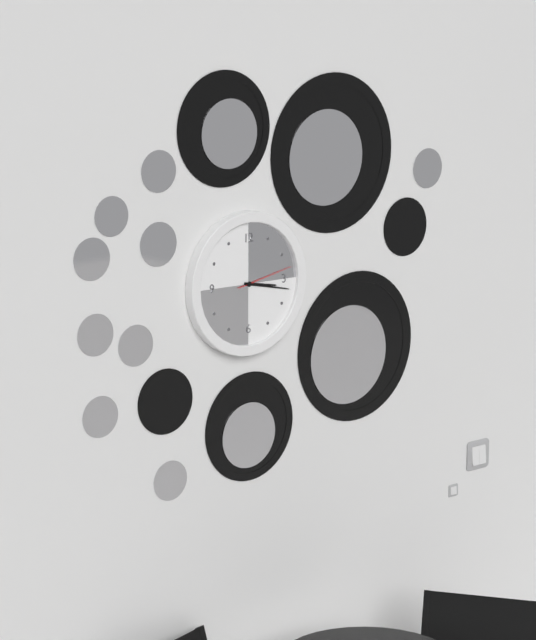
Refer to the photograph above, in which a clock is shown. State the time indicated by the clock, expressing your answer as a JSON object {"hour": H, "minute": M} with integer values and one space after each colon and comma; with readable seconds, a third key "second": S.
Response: {"hour": 3, "minute": 17, "second": 13}
